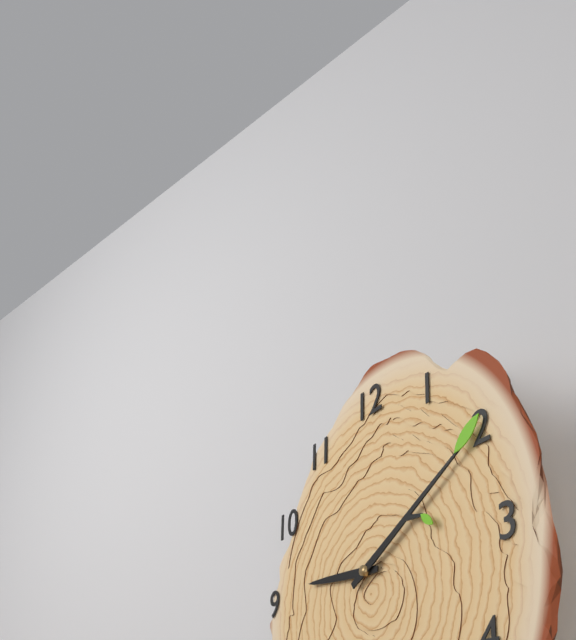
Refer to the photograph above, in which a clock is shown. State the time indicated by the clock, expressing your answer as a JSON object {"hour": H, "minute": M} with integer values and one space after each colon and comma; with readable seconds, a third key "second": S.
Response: {"hour": 9, "minute": 10}
